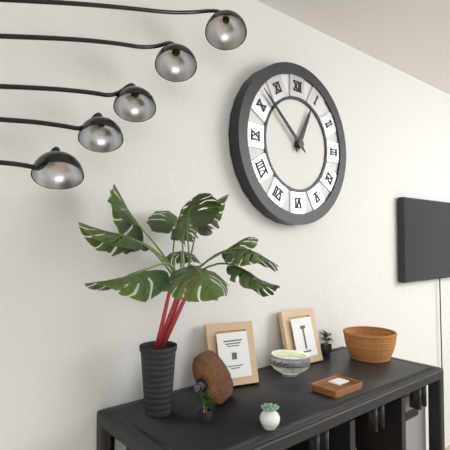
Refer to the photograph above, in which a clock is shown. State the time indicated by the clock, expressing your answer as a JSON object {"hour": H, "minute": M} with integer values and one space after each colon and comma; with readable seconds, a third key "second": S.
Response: {"hour": 12, "minute": 52}
